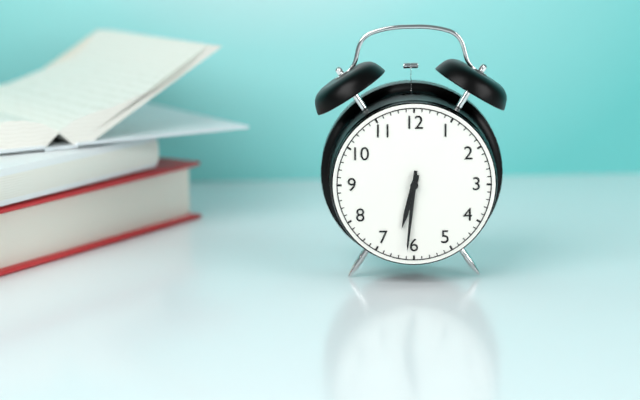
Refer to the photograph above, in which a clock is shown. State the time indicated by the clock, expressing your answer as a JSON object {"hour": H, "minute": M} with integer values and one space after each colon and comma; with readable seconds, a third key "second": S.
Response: {"hour": 6, "minute": 31}
